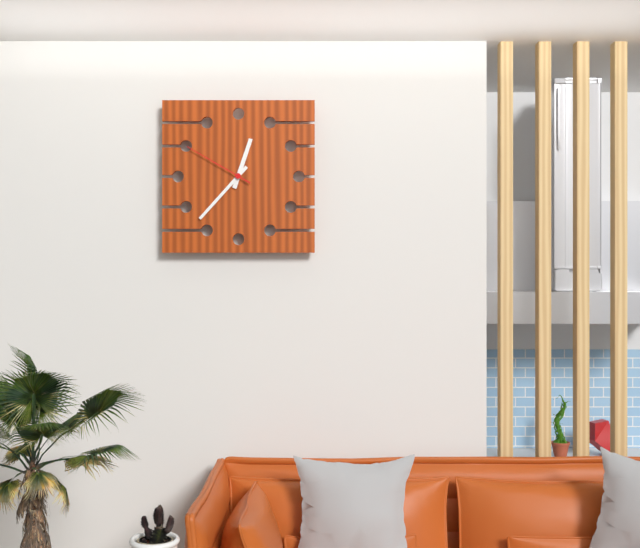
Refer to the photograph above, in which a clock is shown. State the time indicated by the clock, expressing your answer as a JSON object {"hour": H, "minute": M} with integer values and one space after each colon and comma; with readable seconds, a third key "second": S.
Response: {"hour": 12, "minute": 37, "second": 50}
